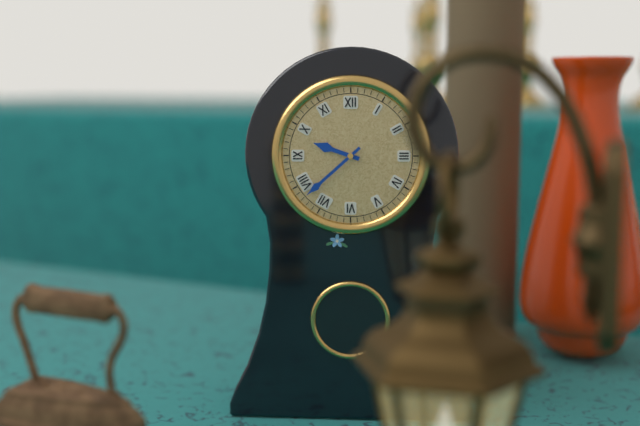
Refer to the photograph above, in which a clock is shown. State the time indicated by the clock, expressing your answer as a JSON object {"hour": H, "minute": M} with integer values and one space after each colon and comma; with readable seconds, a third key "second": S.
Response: {"hour": 9, "minute": 38}
